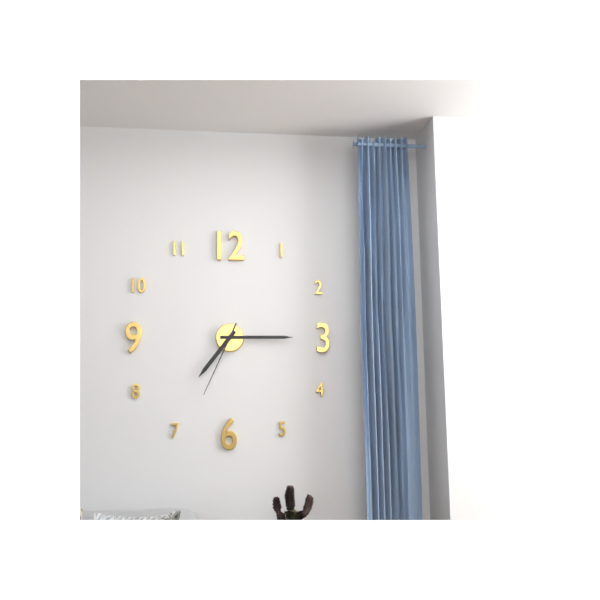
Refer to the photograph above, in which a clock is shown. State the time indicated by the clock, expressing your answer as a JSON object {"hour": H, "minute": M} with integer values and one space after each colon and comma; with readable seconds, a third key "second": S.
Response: {"hour": 7, "minute": 15, "second": 34}
